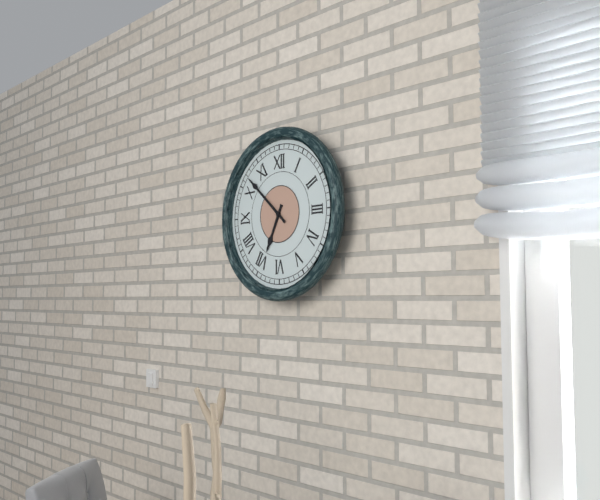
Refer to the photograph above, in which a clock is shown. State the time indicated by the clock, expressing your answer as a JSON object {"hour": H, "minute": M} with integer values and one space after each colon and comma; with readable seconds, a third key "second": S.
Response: {"hour": 6, "minute": 52}
